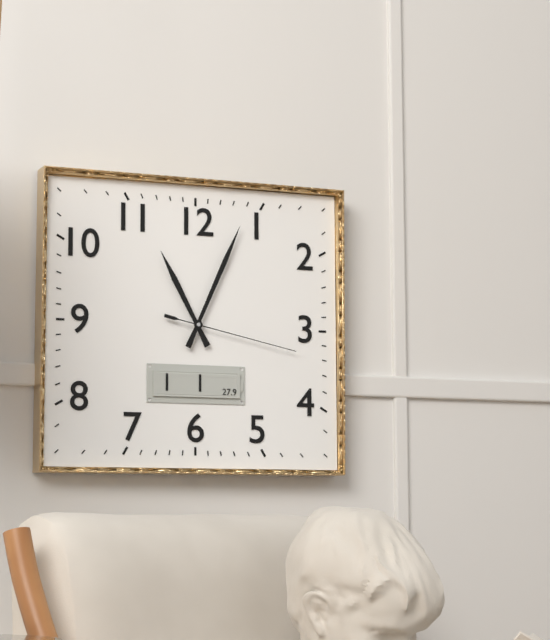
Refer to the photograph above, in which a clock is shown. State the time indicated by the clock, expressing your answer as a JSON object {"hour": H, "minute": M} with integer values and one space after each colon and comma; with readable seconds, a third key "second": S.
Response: {"hour": 11, "minute": 4, "second": 17}
